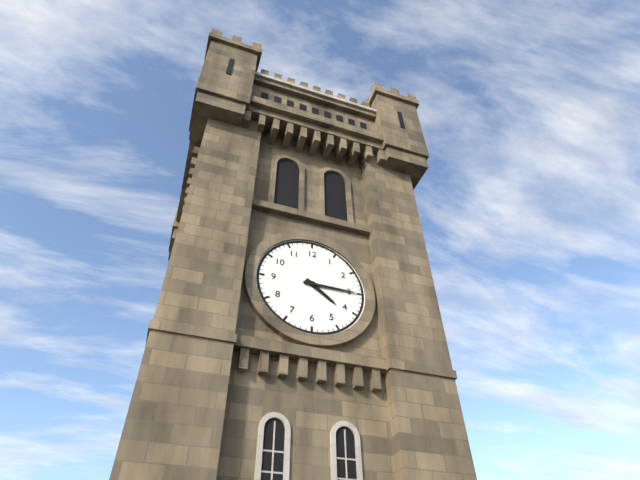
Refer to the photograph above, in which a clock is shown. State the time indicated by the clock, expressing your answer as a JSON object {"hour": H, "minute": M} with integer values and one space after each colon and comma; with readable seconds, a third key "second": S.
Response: {"hour": 4, "minute": 15}
